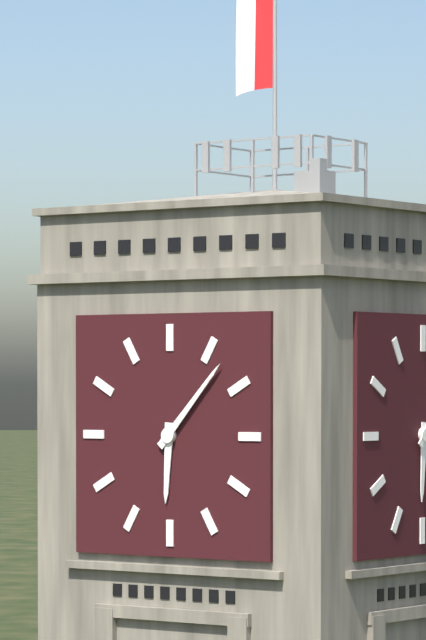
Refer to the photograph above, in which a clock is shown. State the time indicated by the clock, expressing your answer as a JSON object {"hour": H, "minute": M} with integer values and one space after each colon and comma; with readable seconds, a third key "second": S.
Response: {"hour": 6, "minute": 7}
